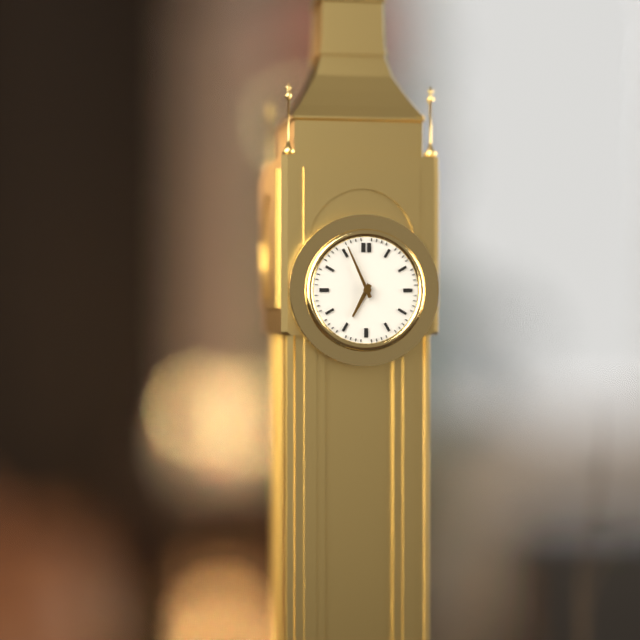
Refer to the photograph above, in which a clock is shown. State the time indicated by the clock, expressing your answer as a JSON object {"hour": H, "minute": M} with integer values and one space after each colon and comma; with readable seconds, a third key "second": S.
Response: {"hour": 6, "minute": 56}
